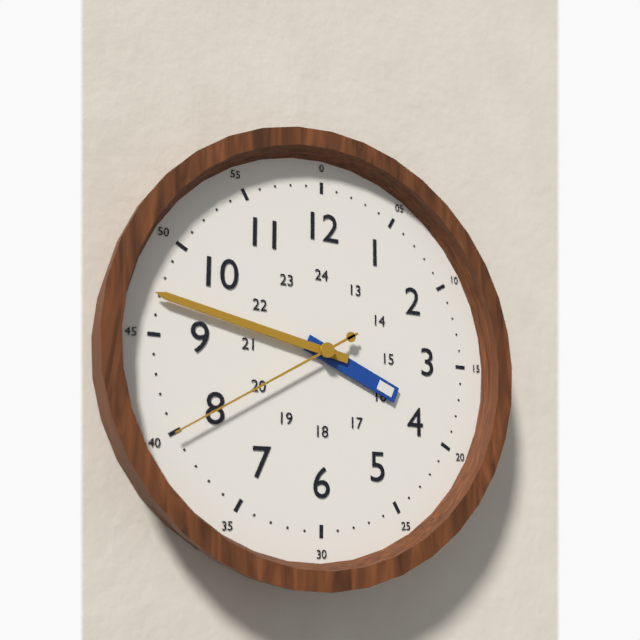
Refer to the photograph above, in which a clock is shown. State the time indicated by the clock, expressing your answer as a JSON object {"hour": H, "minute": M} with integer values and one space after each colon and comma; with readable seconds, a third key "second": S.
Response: {"hour": 3, "minute": 47, "second": 40}
